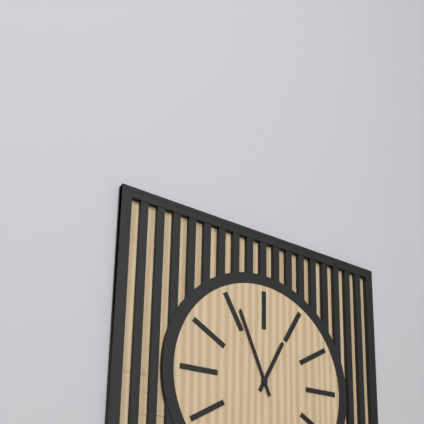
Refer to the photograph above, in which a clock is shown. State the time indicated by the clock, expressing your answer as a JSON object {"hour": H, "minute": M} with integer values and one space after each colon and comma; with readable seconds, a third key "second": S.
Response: {"hour": 12, "minute": 56}
